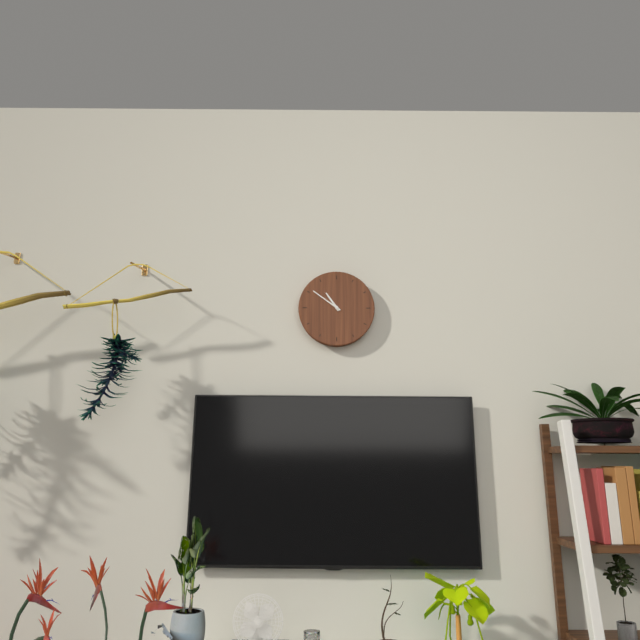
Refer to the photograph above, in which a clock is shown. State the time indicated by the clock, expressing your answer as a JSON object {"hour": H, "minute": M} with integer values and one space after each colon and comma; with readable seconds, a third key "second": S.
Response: {"hour": 10, "minute": 51}
